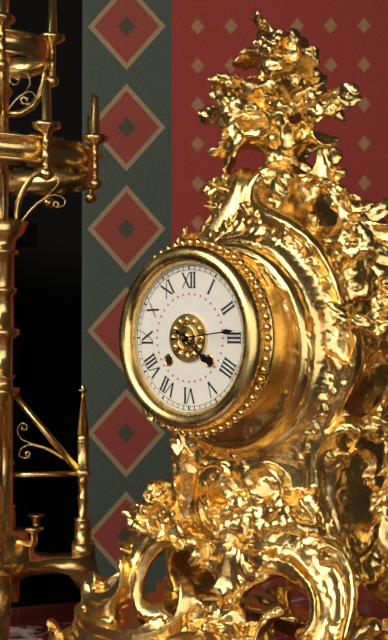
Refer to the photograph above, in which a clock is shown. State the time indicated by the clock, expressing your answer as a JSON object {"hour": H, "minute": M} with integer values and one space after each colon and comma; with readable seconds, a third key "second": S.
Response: {"hour": 4, "minute": 14}
